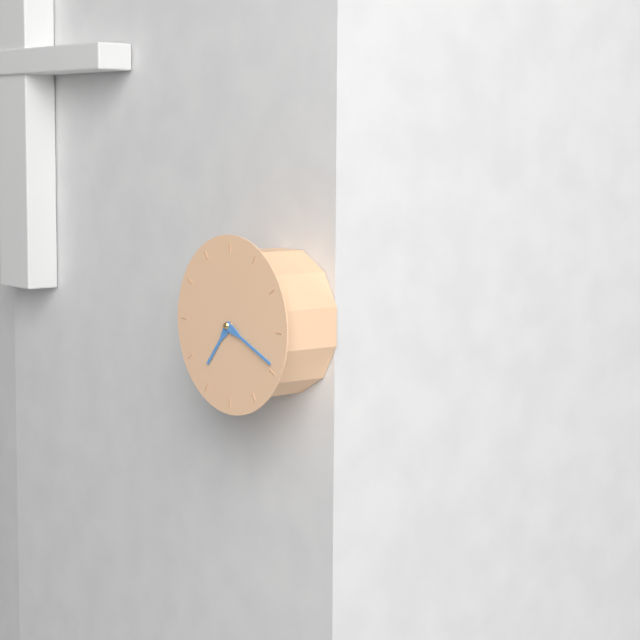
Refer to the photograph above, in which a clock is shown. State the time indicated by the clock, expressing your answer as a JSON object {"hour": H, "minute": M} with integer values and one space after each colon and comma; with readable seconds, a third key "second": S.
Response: {"hour": 7, "minute": 19}
